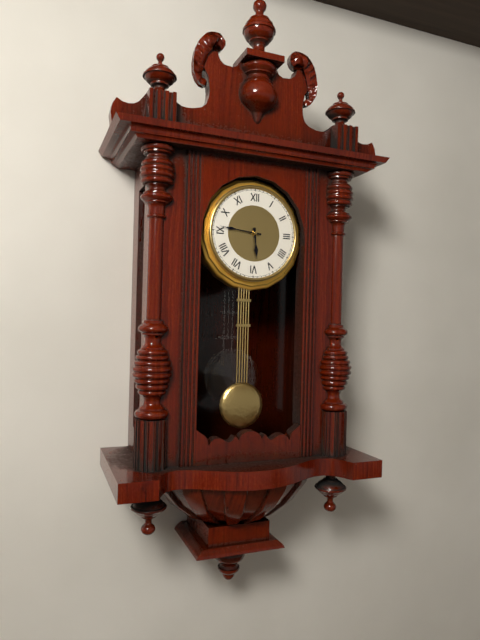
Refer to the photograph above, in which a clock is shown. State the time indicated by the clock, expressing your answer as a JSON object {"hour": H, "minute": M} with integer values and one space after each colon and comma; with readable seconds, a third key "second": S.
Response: {"hour": 5, "minute": 46}
